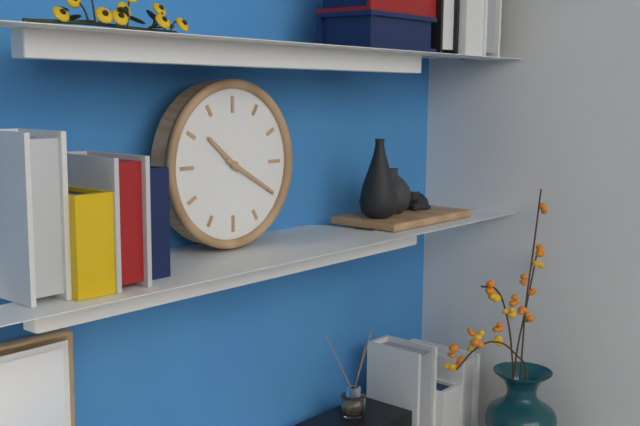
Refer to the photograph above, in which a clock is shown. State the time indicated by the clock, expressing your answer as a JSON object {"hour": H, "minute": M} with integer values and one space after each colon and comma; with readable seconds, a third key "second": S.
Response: {"hour": 10, "minute": 20}
